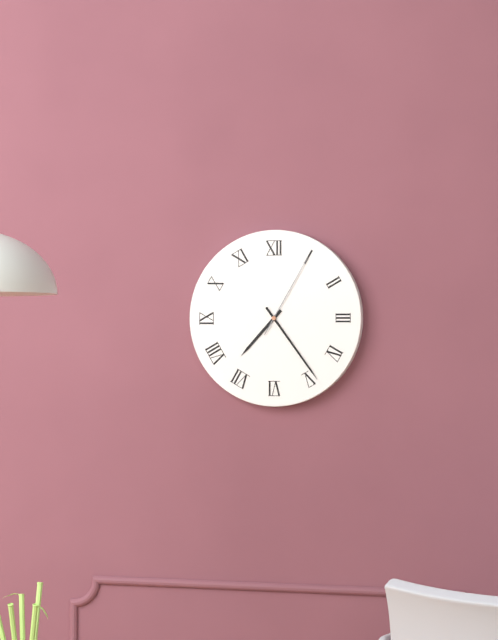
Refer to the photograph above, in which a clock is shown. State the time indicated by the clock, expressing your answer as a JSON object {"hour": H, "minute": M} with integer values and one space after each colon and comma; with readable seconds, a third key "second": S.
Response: {"hour": 7, "minute": 24, "second": 5}
